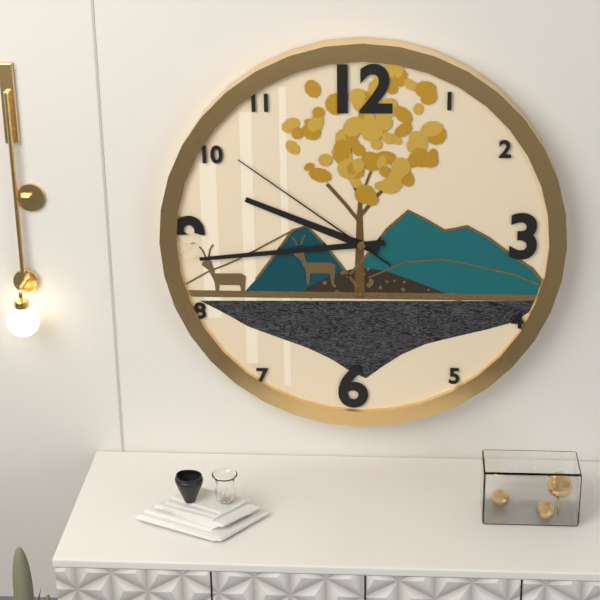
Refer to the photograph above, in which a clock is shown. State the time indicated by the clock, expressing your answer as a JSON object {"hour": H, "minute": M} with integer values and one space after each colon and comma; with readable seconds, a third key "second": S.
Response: {"hour": 9, "minute": 44, "second": 51}
